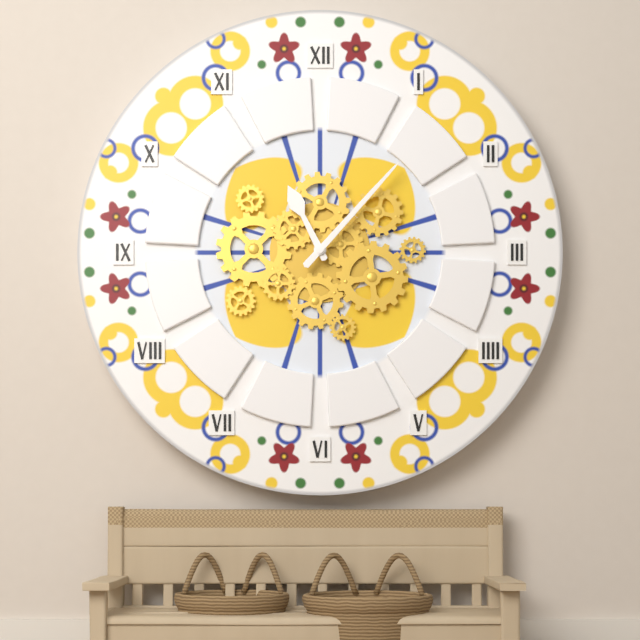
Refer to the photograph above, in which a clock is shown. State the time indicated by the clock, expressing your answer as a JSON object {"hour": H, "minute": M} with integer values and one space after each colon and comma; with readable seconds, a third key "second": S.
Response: {"hour": 11, "minute": 7}
